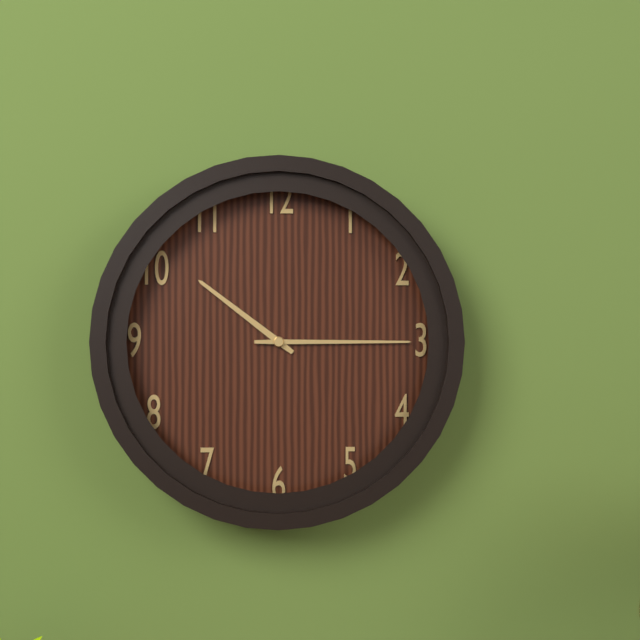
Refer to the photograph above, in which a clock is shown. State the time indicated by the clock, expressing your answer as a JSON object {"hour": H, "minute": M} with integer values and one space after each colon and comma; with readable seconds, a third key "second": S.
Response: {"hour": 10, "minute": 15}
